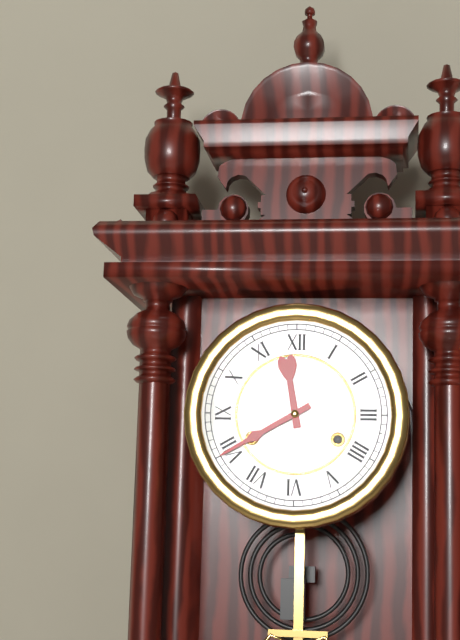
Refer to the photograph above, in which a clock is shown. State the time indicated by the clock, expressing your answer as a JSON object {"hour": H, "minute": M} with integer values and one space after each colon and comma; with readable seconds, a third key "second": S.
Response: {"hour": 11, "minute": 40}
